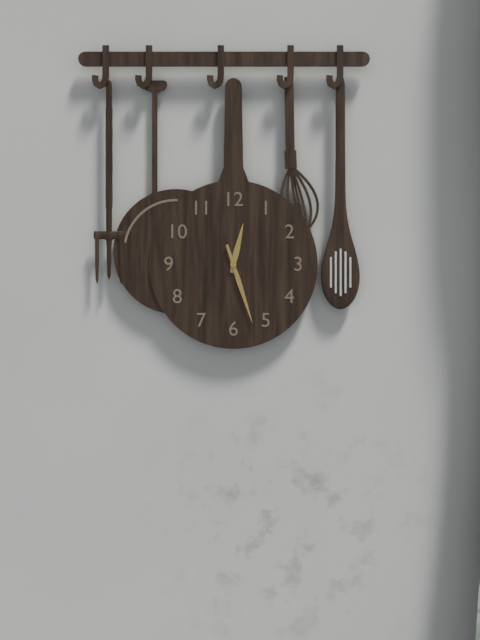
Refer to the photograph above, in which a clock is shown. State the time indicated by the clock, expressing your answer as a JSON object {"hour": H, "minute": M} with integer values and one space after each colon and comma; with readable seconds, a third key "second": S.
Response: {"hour": 12, "minute": 27}
